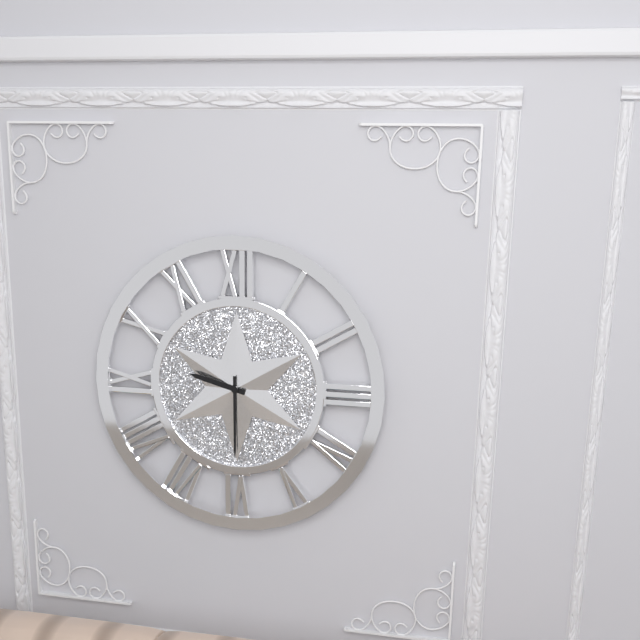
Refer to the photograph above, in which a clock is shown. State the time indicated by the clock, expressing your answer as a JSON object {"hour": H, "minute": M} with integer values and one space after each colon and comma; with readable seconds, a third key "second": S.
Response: {"hour": 9, "minute": 30}
